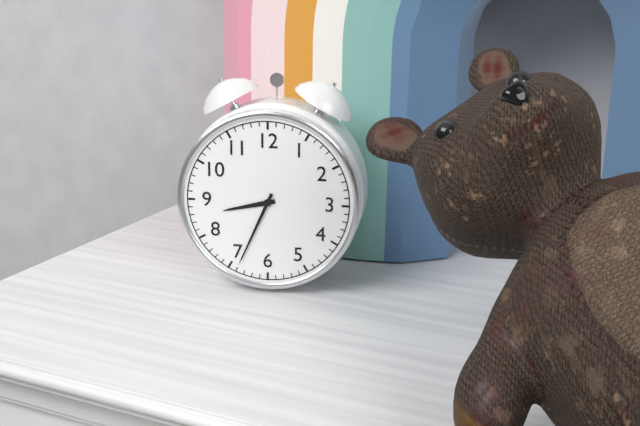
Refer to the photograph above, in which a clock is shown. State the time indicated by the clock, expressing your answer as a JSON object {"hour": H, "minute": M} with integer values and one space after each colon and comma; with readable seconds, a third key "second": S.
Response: {"hour": 8, "minute": 34}
